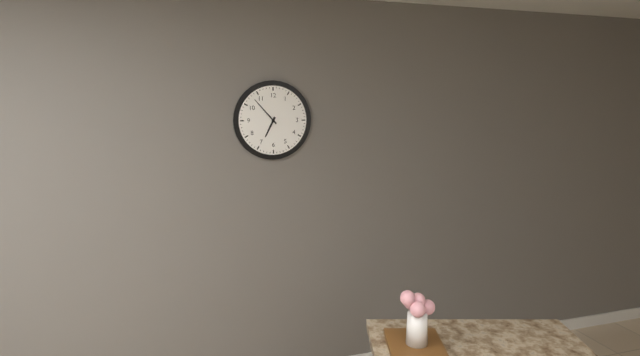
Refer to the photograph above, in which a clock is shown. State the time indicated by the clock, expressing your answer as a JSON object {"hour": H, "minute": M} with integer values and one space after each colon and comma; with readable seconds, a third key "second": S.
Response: {"hour": 6, "minute": 53}
